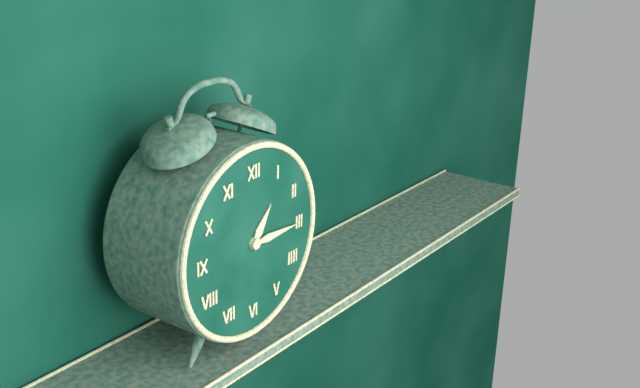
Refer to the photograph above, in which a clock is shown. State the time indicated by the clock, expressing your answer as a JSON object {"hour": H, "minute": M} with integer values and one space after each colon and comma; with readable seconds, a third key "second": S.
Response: {"hour": 1, "minute": 15}
